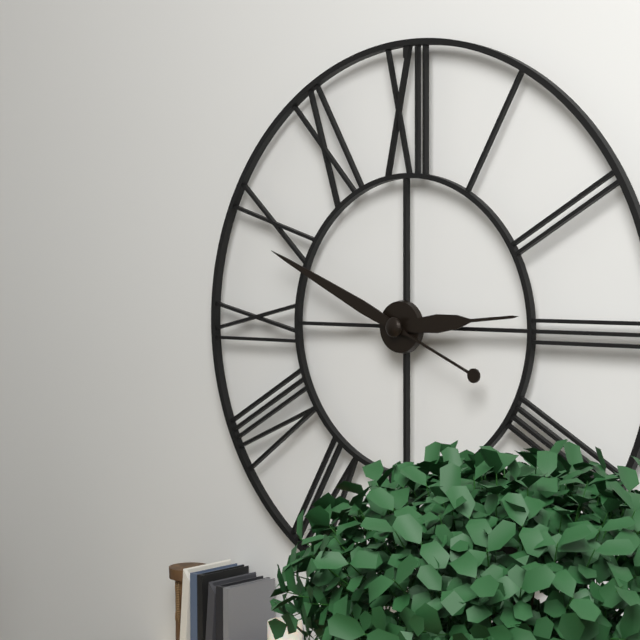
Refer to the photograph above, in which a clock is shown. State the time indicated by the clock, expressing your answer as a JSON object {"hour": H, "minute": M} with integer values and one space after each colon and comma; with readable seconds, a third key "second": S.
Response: {"hour": 2, "minute": 49}
